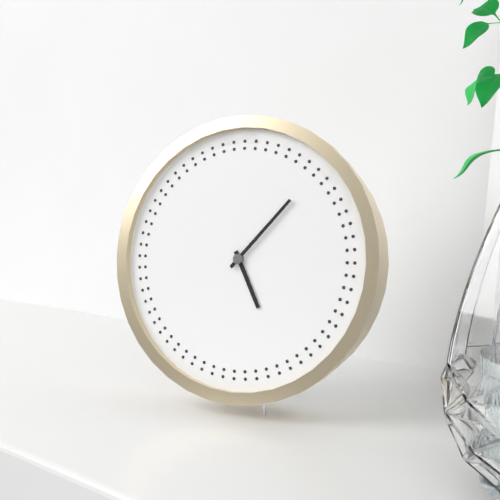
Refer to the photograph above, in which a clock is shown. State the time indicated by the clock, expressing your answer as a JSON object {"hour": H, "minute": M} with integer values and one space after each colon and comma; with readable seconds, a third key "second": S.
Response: {"hour": 5, "minute": 7}
